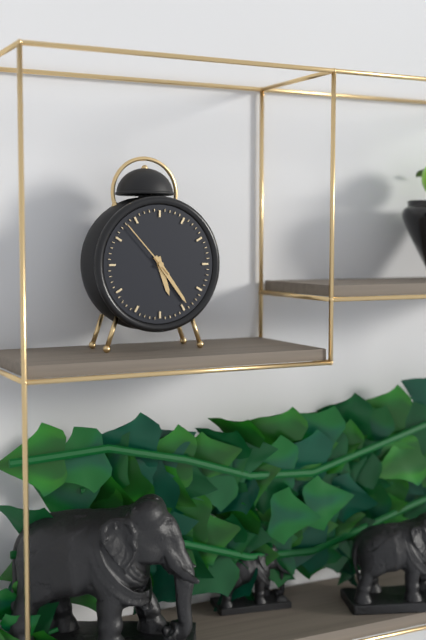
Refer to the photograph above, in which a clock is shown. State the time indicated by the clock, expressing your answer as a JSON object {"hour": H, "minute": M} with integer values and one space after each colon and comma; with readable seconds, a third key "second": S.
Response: {"hour": 5, "minute": 24, "second": 53}
